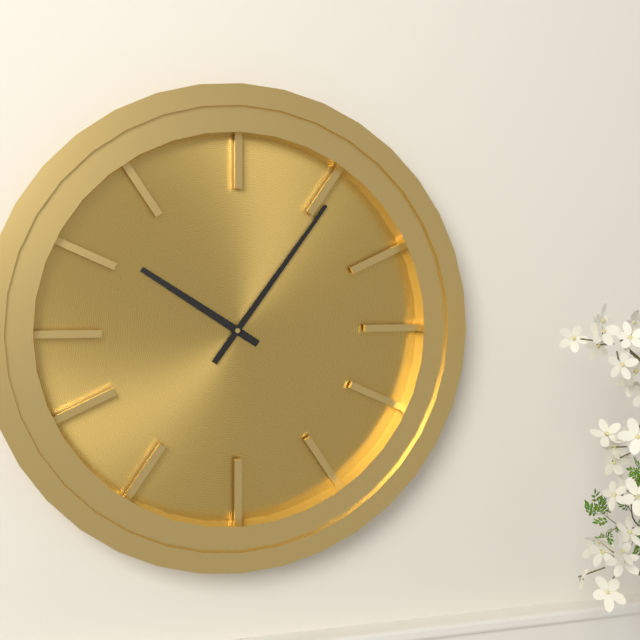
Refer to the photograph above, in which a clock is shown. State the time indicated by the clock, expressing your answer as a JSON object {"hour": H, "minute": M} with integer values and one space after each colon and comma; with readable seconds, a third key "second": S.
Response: {"hour": 10, "minute": 6}
